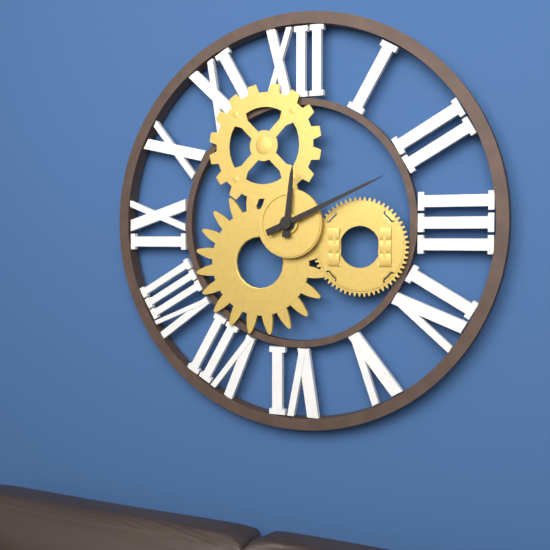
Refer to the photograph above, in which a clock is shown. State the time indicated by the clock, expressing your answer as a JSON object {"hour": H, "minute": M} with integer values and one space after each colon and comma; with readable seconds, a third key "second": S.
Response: {"hour": 12, "minute": 11}
